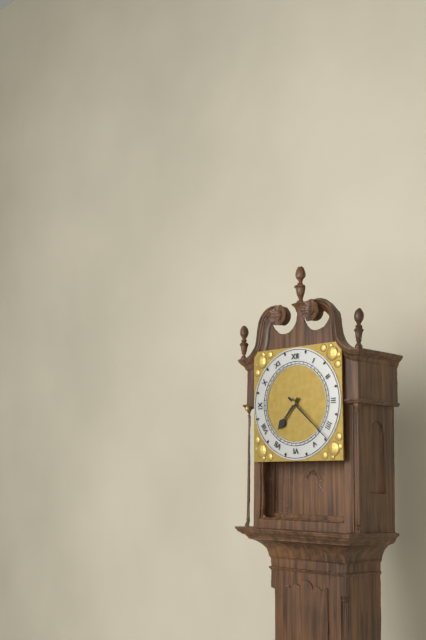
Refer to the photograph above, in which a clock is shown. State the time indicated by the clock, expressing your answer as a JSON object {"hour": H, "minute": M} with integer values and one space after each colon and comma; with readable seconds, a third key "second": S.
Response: {"hour": 7, "minute": 22}
